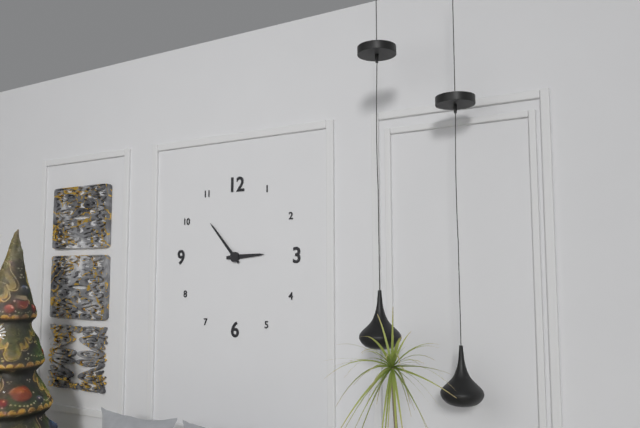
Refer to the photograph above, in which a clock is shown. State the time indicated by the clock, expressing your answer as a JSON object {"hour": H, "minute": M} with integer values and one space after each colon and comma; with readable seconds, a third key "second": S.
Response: {"hour": 2, "minute": 53}
